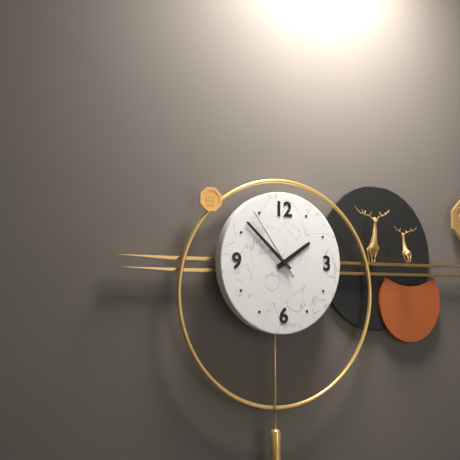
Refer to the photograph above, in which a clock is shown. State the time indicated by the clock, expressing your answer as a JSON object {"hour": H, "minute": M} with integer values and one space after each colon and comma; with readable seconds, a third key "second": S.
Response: {"hour": 1, "minute": 52, "second": 54}
